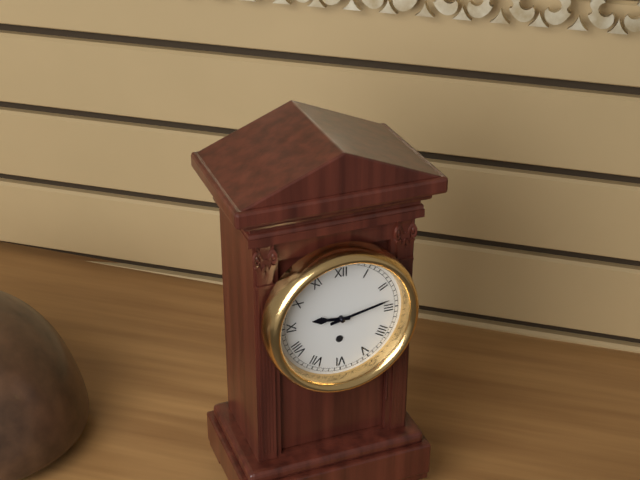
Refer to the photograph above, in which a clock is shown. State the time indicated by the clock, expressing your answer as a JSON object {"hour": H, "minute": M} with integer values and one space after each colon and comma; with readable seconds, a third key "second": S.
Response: {"hour": 9, "minute": 13}
